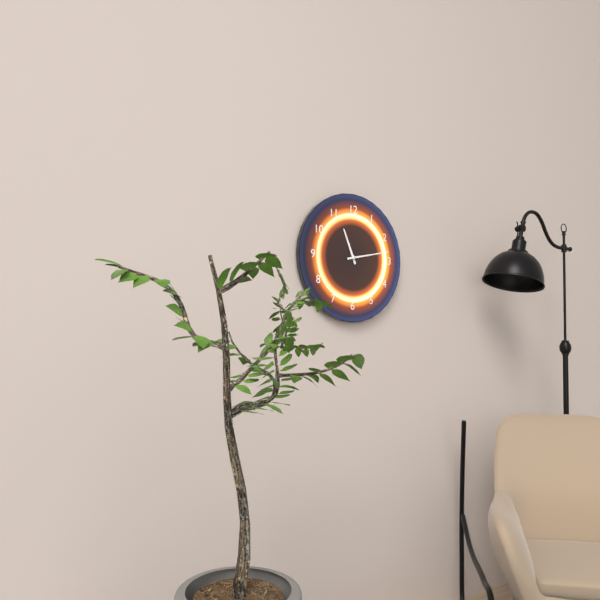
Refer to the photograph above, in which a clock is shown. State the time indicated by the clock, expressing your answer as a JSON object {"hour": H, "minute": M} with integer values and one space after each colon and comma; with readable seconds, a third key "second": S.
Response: {"hour": 11, "minute": 13}
